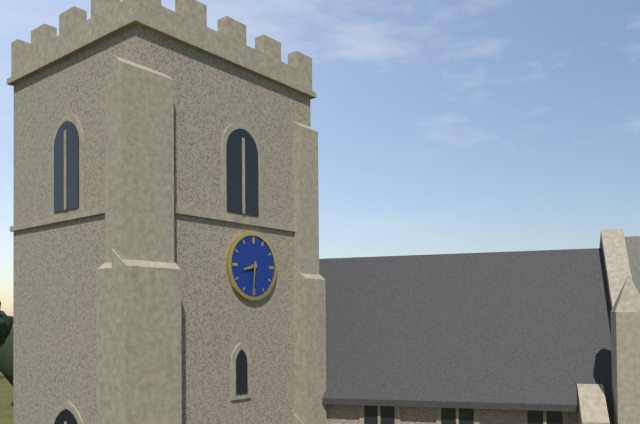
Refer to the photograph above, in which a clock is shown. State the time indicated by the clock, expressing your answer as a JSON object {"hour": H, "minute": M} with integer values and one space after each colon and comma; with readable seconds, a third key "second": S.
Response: {"hour": 8, "minute": 31}
